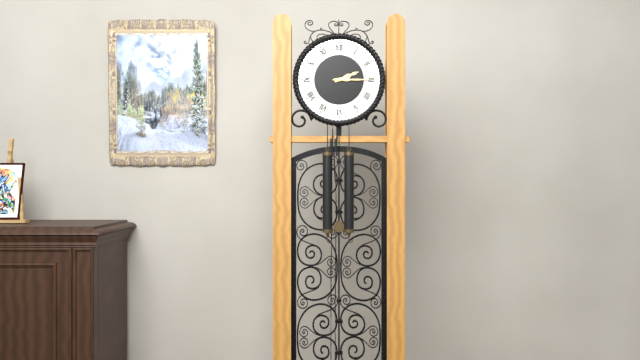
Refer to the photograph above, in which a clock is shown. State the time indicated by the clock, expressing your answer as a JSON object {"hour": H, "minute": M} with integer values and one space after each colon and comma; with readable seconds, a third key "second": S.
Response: {"hour": 2, "minute": 15}
